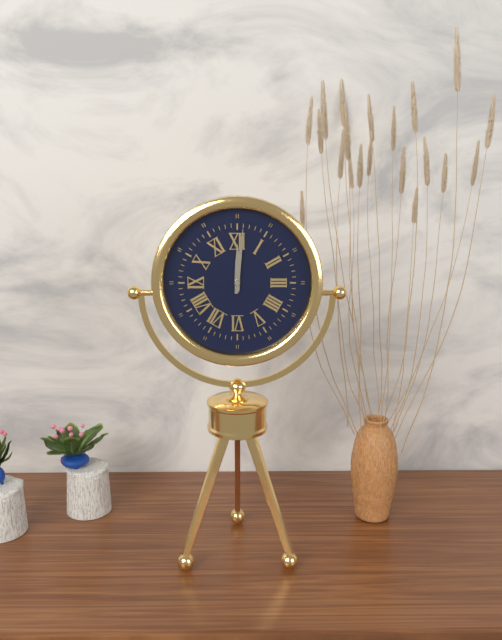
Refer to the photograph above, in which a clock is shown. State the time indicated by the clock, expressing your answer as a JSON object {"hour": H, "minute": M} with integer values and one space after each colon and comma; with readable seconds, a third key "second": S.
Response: {"hour": 12, "minute": 1}
